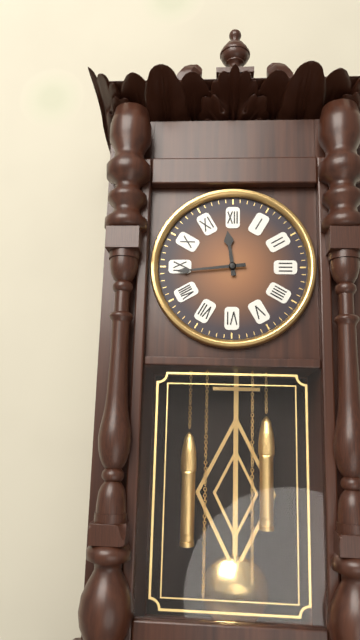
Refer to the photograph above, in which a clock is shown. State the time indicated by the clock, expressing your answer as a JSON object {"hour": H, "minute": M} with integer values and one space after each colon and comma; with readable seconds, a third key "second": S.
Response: {"hour": 11, "minute": 44}
